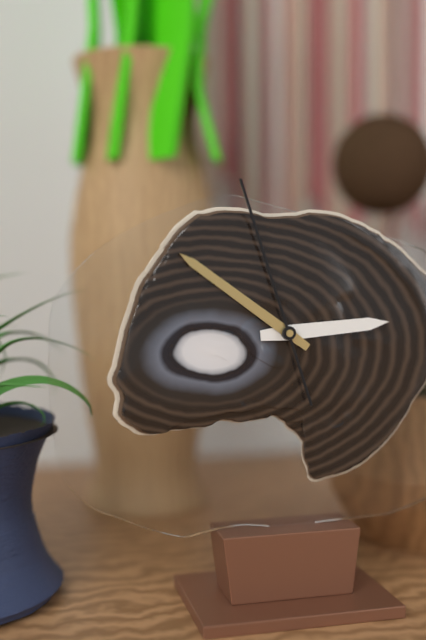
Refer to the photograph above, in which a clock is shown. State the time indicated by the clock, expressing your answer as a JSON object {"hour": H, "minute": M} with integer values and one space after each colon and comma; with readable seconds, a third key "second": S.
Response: {"hour": 2, "minute": 51, "second": 57}
